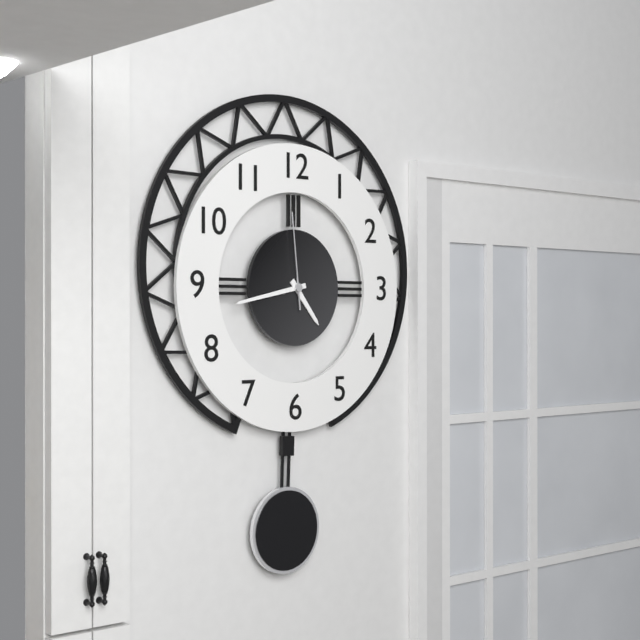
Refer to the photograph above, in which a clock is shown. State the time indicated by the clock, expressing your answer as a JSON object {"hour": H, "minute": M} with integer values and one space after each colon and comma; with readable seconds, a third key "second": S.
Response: {"hour": 4, "minute": 43, "second": 59}
